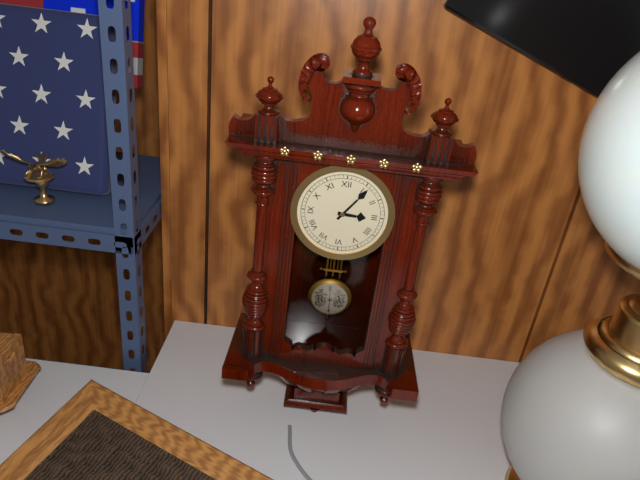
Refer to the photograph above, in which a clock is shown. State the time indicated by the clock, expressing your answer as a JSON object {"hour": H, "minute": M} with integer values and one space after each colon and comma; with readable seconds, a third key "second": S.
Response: {"hour": 3, "minute": 6}
